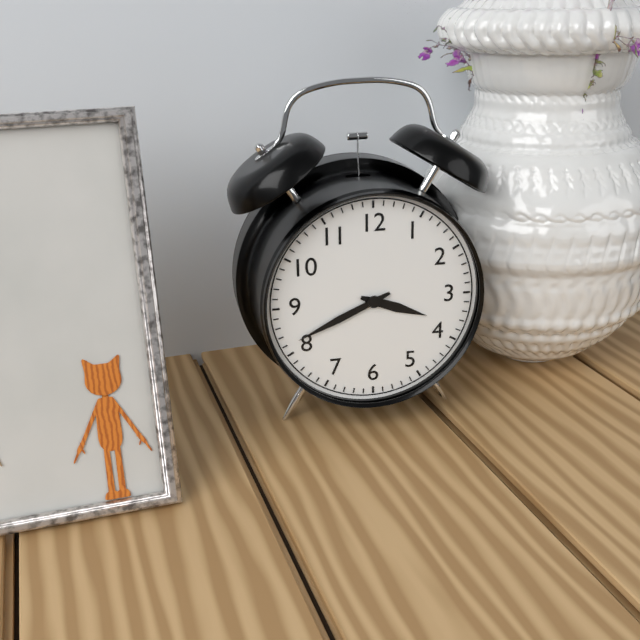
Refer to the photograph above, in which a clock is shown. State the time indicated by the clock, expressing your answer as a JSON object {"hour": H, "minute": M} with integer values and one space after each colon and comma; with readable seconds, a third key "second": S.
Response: {"hour": 3, "minute": 41}
